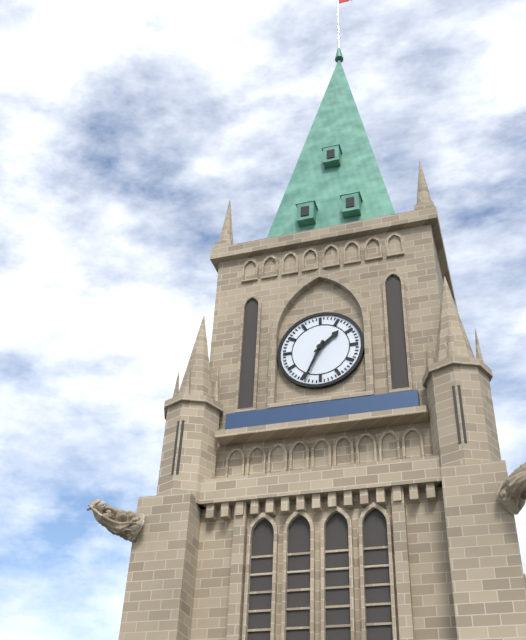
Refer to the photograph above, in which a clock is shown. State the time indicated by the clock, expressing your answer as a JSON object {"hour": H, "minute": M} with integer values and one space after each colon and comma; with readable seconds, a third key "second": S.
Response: {"hour": 1, "minute": 34}
